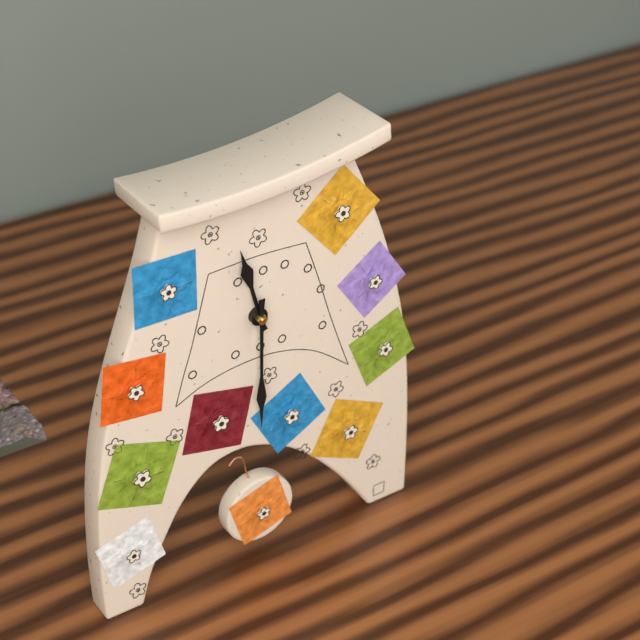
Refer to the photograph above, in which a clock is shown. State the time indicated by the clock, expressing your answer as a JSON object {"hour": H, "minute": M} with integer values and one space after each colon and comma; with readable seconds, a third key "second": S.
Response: {"hour": 11, "minute": 30}
